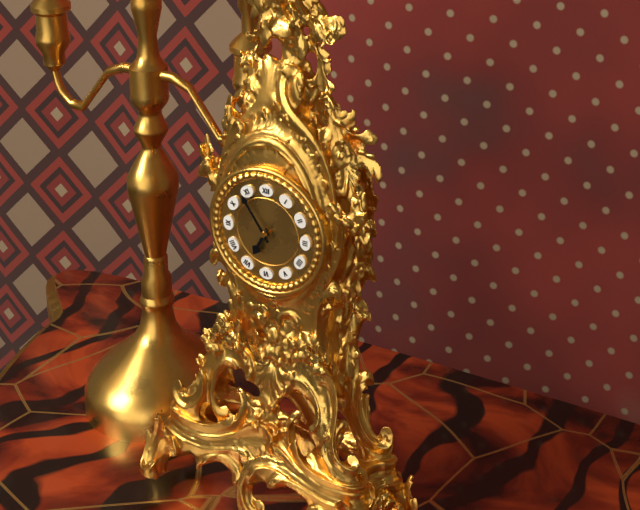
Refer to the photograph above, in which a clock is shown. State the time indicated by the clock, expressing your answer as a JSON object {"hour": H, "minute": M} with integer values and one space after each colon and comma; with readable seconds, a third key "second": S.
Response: {"hour": 6, "minute": 54}
